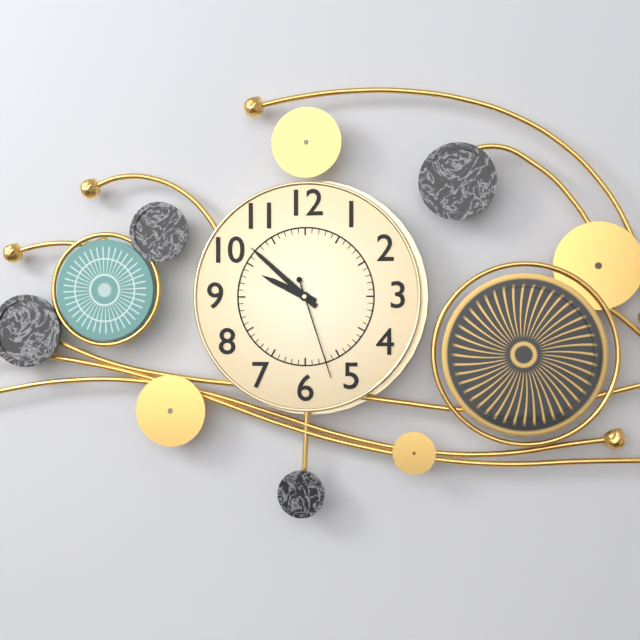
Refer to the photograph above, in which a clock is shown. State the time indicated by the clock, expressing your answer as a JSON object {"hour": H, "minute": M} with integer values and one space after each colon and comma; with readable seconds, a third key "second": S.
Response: {"hour": 9, "minute": 52, "second": 27}
